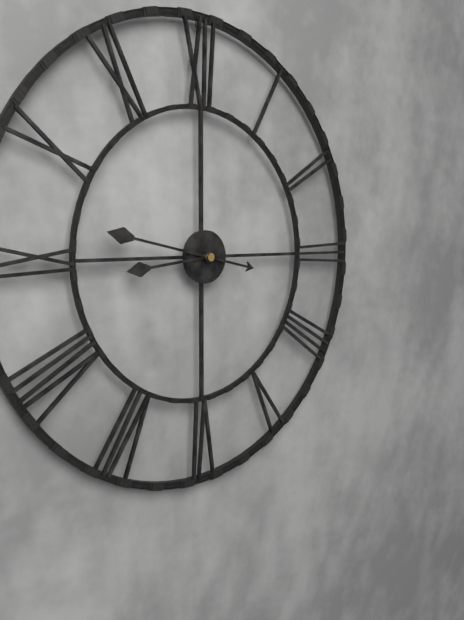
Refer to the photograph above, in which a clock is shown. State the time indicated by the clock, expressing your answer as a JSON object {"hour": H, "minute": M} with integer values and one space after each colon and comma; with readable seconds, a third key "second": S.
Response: {"hour": 8, "minute": 47}
